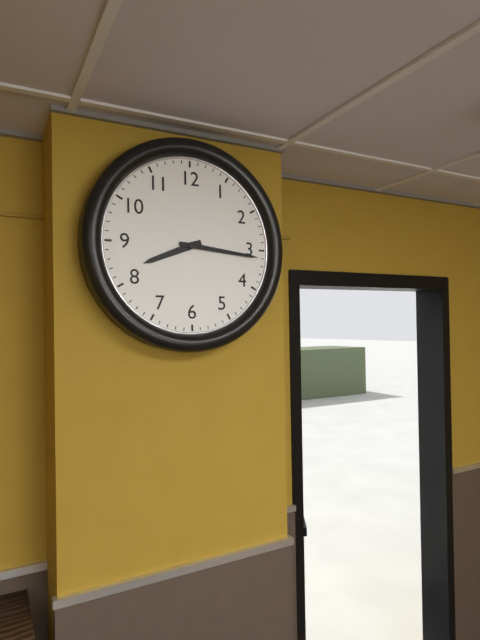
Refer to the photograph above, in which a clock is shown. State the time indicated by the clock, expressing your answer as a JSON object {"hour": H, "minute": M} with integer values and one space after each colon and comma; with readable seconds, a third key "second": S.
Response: {"hour": 8, "minute": 16}
